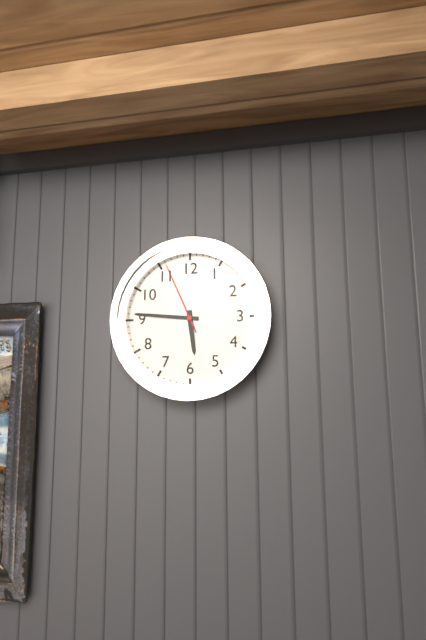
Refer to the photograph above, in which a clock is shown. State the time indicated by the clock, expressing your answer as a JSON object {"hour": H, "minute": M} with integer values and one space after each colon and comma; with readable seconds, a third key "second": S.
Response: {"hour": 5, "minute": 46, "second": 56}
